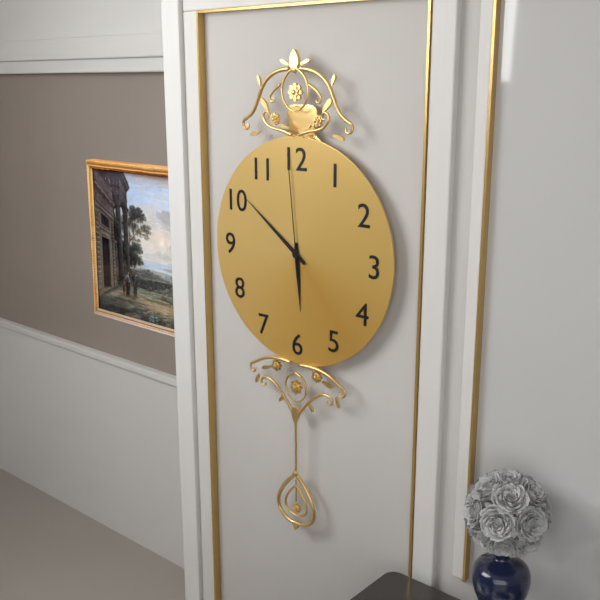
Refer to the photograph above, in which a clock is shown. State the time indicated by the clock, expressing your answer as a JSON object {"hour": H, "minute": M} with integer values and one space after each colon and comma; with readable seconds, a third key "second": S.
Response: {"hour": 5, "minute": 51, "second": 59}
